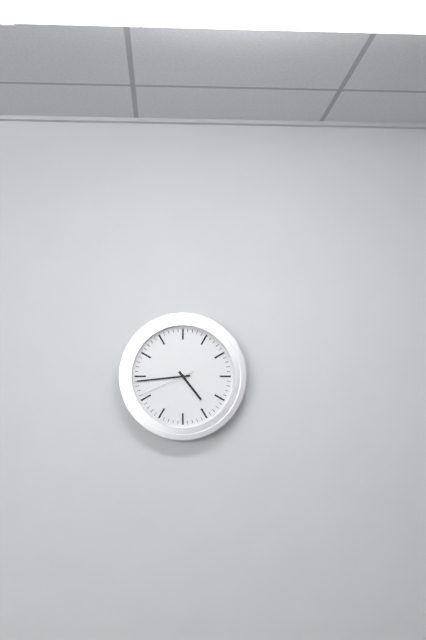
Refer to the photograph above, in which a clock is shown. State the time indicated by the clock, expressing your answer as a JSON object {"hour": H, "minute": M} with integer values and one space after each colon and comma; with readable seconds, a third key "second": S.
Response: {"hour": 4, "minute": 44, "second": 41}
